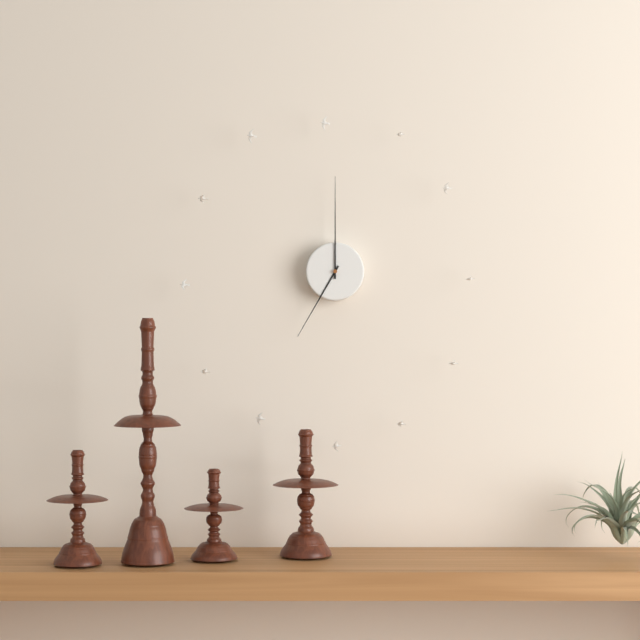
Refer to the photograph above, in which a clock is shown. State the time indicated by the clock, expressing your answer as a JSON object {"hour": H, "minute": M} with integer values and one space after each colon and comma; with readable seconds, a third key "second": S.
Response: {"hour": 7, "minute": 0}
